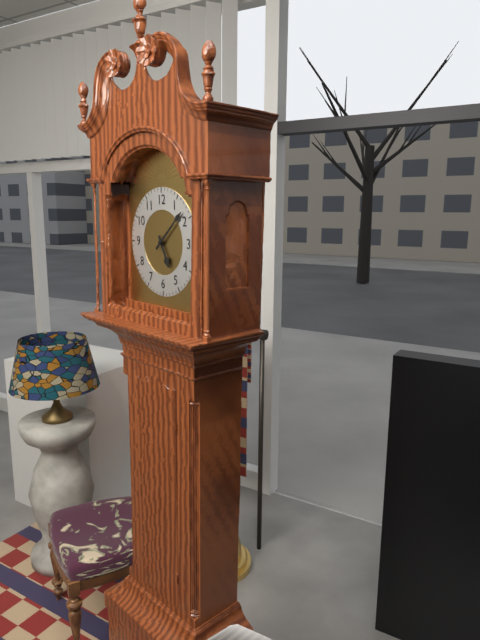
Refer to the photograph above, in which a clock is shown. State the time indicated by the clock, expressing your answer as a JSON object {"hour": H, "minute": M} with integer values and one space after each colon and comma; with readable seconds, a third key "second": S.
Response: {"hour": 5, "minute": 8}
